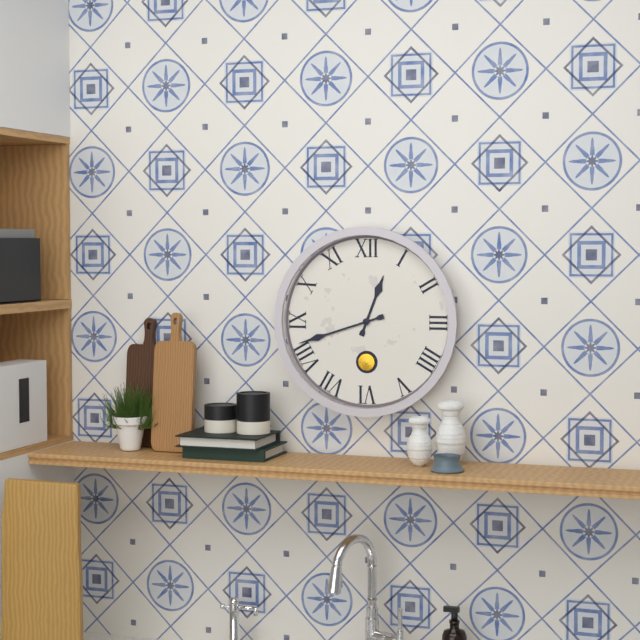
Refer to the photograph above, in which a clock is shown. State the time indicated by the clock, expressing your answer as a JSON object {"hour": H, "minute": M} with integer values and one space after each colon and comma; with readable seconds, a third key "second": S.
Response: {"hour": 12, "minute": 42}
